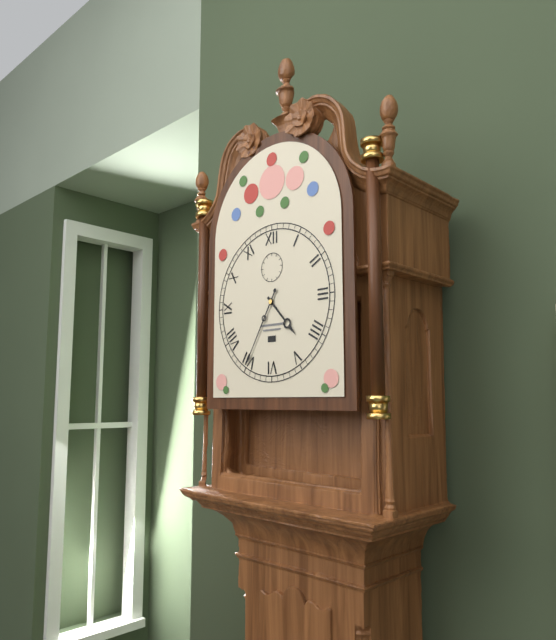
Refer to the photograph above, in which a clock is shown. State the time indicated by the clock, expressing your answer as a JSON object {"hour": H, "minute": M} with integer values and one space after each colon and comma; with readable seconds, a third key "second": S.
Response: {"hour": 4, "minute": 35}
